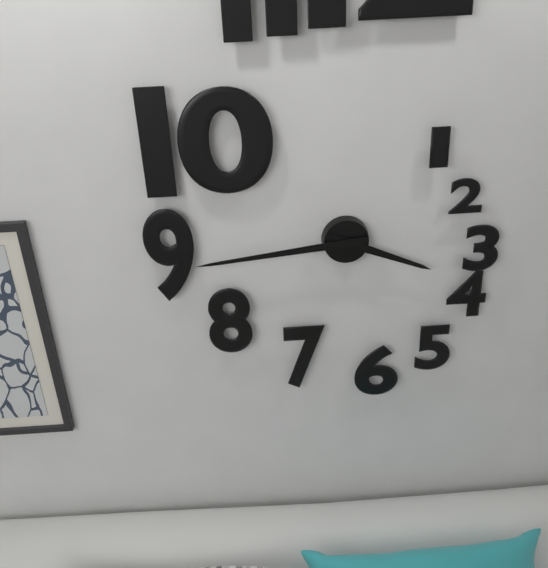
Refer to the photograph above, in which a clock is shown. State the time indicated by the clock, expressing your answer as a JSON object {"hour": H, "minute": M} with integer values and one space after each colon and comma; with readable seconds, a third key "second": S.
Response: {"hour": 3, "minute": 44}
